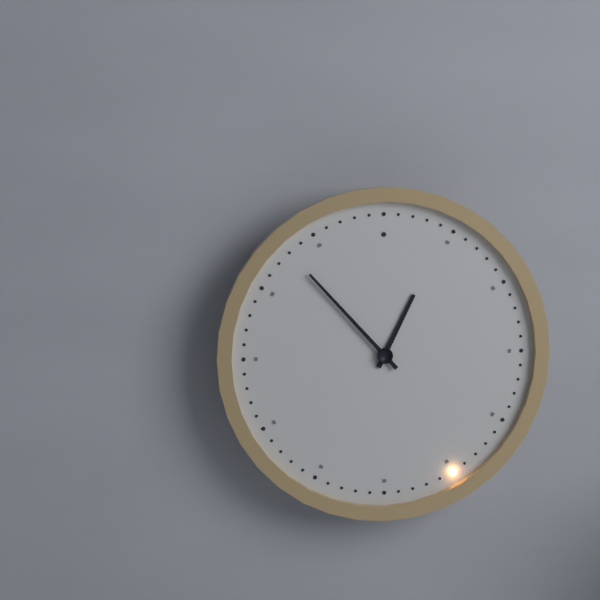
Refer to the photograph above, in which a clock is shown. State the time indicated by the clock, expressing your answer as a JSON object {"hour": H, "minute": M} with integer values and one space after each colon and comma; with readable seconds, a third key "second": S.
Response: {"hour": 12, "minute": 53}
